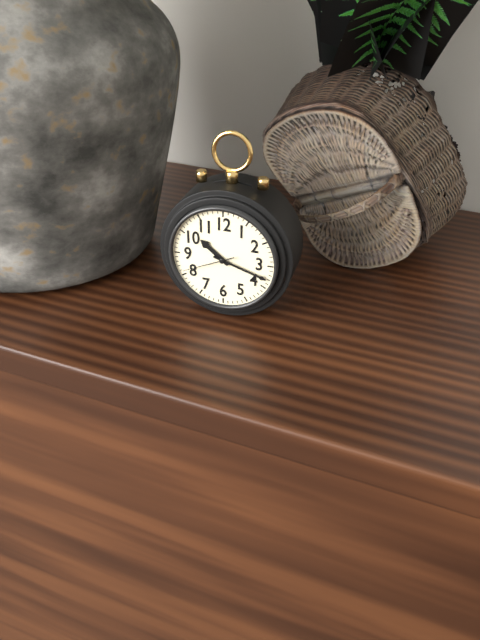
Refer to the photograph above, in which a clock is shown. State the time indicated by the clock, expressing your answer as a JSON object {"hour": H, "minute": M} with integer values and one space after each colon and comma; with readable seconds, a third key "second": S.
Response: {"hour": 10, "minute": 18, "second": 41}
